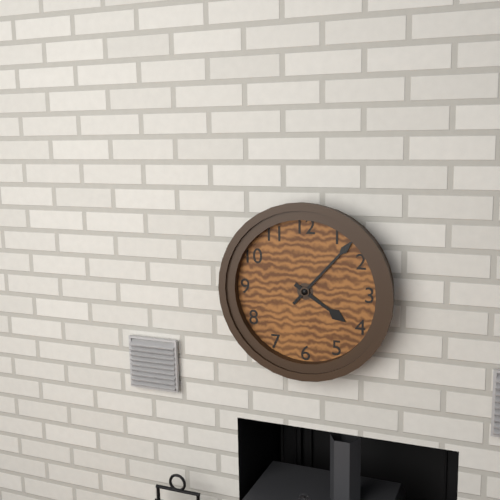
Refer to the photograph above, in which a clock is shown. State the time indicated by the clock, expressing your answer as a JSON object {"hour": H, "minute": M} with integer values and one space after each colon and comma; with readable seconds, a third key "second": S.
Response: {"hour": 4, "minute": 7}
